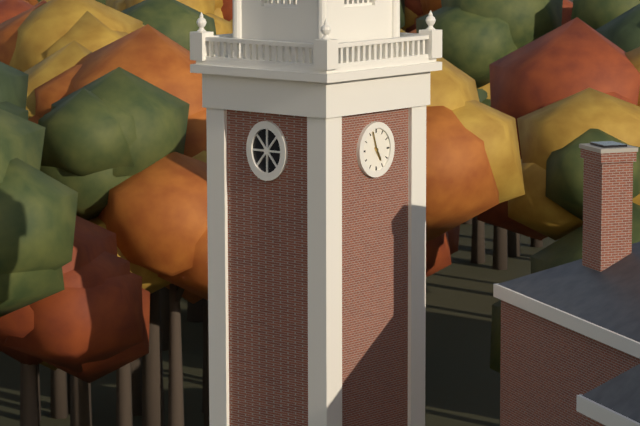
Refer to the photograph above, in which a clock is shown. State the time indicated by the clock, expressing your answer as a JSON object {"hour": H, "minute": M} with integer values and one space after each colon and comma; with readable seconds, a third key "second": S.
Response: {"hour": 4, "minute": 57}
